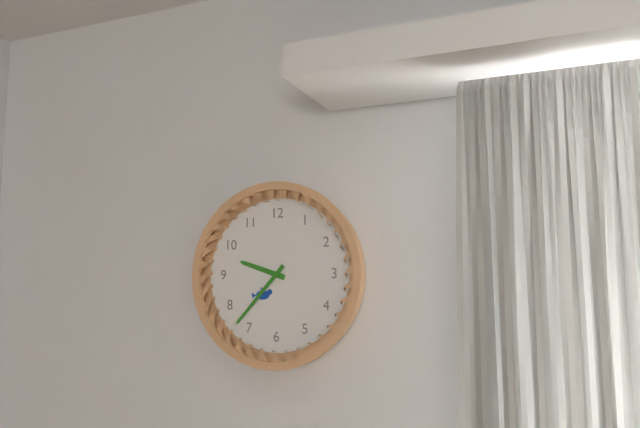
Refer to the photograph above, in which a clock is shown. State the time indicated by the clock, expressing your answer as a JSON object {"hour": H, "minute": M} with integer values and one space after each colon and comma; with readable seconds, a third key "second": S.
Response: {"hour": 9, "minute": 37}
